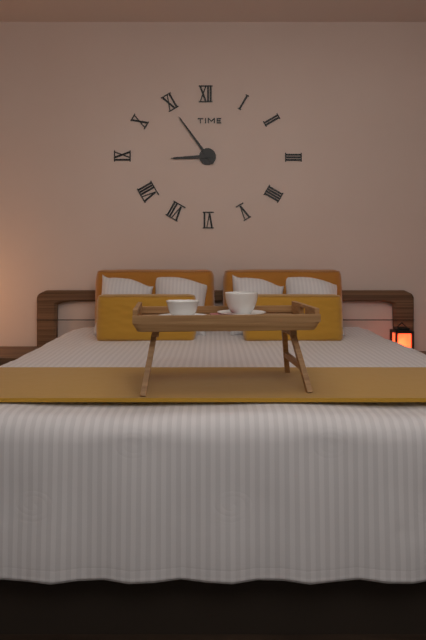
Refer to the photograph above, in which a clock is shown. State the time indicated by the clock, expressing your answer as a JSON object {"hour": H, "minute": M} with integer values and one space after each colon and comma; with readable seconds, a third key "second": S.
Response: {"hour": 8, "minute": 54}
